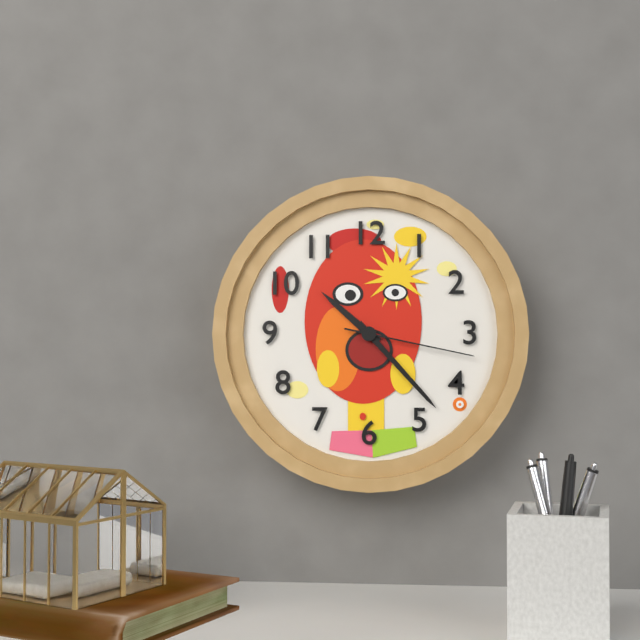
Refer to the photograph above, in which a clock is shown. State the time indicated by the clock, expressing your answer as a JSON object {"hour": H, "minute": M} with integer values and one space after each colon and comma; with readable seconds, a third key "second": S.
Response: {"hour": 10, "minute": 23, "second": 17}
